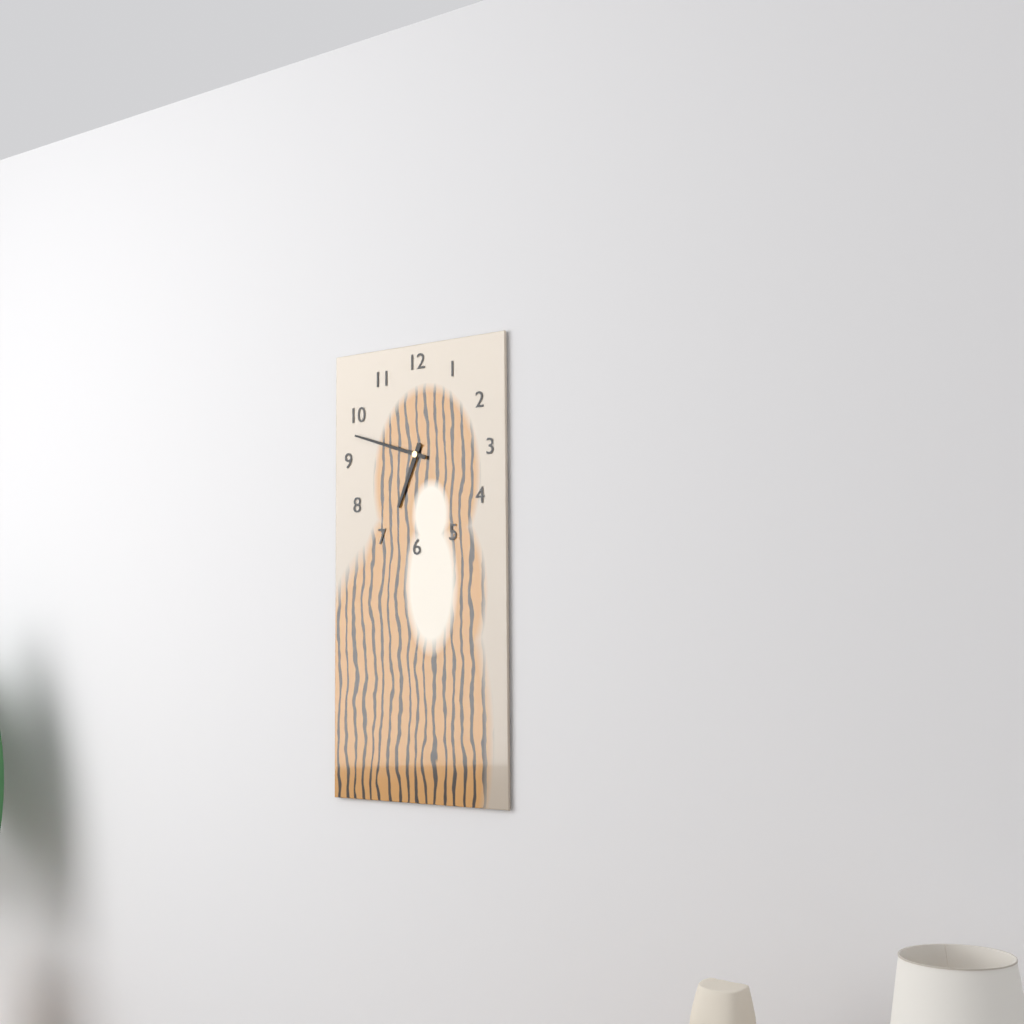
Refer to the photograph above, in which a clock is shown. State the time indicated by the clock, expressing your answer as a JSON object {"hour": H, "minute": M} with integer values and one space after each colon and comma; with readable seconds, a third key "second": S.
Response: {"hour": 6, "minute": 48}
